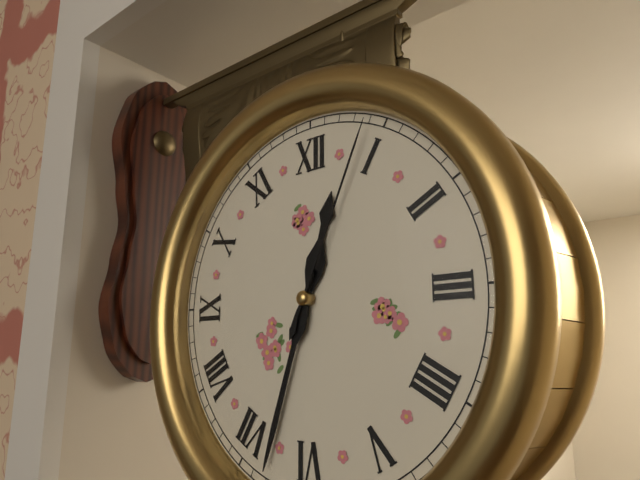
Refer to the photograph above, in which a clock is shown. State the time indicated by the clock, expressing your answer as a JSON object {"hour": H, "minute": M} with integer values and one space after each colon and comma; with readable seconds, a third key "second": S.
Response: {"hour": 12, "minute": 33, "second": 4}
